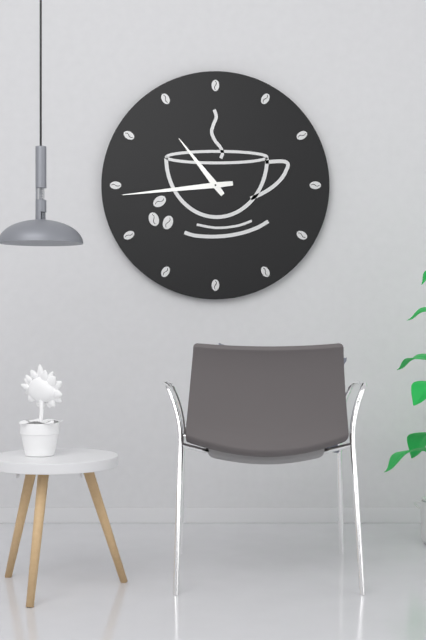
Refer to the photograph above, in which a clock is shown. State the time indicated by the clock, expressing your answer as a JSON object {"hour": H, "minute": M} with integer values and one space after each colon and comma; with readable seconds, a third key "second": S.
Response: {"hour": 10, "minute": 44}
